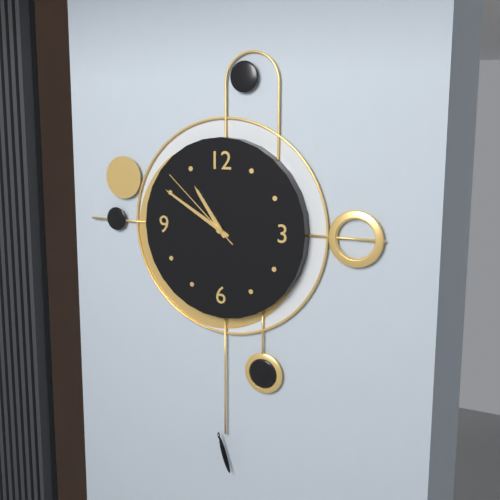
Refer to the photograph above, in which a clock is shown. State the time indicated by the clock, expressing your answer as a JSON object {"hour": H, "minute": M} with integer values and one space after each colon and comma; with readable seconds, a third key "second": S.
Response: {"hour": 10, "minute": 50, "second": 52}
